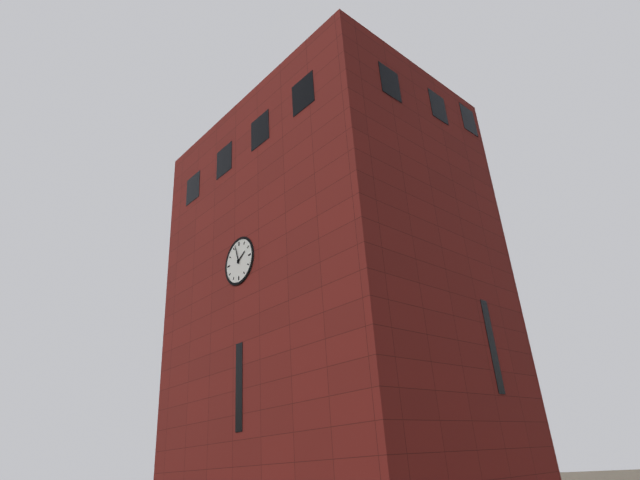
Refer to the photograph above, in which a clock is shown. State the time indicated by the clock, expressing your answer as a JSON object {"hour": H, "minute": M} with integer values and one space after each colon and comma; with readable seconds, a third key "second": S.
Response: {"hour": 1, "minute": 57}
